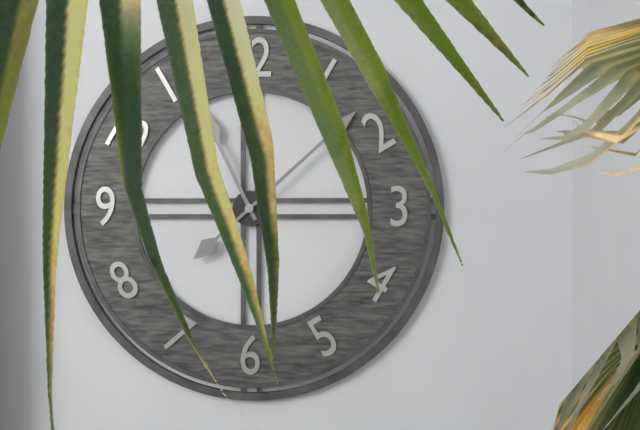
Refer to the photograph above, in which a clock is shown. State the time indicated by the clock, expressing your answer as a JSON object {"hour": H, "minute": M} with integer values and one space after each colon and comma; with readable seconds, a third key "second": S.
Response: {"hour": 11, "minute": 8}
